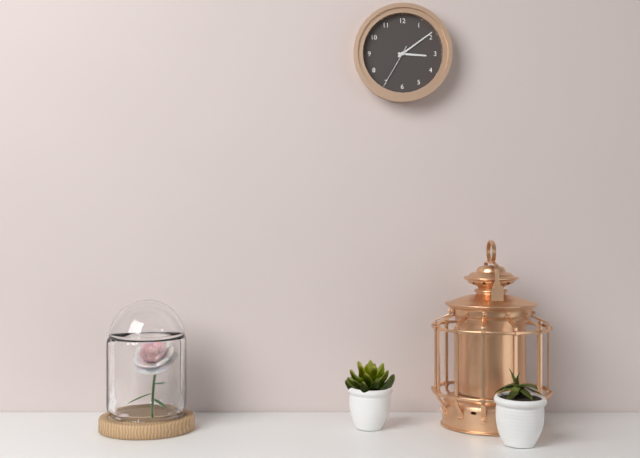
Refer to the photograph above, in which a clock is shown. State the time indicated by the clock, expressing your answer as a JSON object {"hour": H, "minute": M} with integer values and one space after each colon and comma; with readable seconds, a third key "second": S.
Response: {"hour": 3, "minute": 9}
